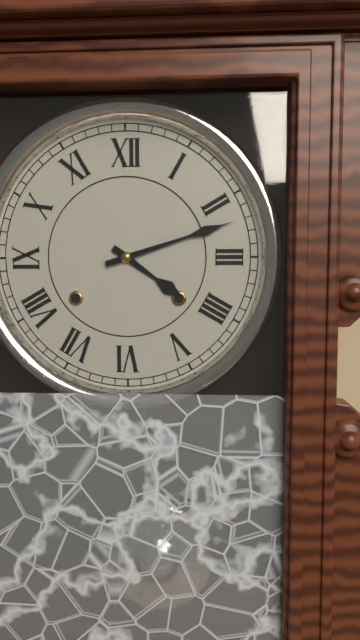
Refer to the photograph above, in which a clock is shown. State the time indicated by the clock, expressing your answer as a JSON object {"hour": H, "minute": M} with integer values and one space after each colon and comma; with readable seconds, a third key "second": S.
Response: {"hour": 4, "minute": 12}
